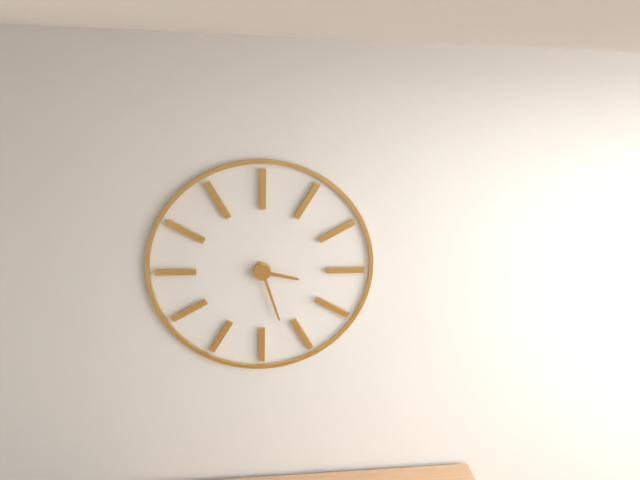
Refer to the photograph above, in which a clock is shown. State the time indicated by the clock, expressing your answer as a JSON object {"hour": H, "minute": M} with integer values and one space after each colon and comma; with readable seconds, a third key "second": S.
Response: {"hour": 3, "minute": 27}
